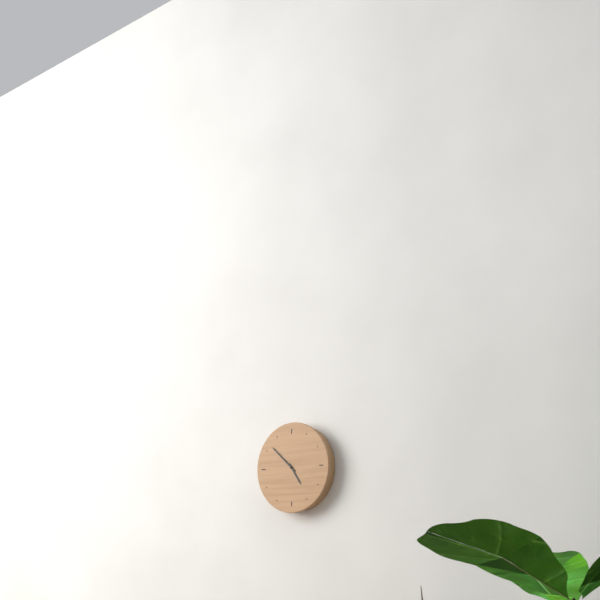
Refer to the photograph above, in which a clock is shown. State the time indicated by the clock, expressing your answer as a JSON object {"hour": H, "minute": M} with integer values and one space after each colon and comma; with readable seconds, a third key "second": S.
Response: {"hour": 4, "minute": 52}
